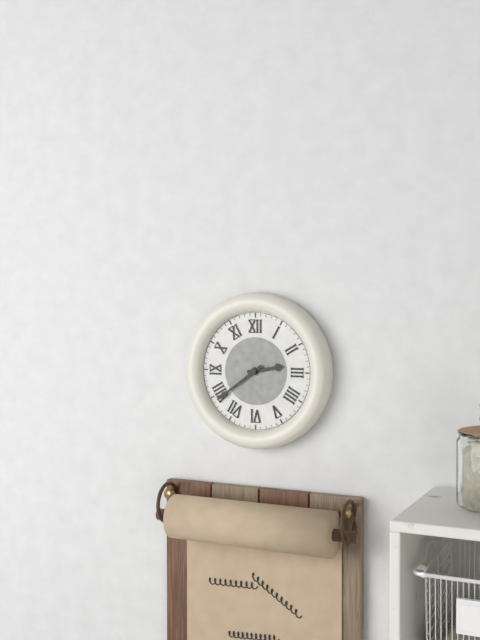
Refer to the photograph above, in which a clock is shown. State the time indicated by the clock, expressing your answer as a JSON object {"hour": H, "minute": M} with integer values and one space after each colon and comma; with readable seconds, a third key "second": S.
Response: {"hour": 2, "minute": 39}
